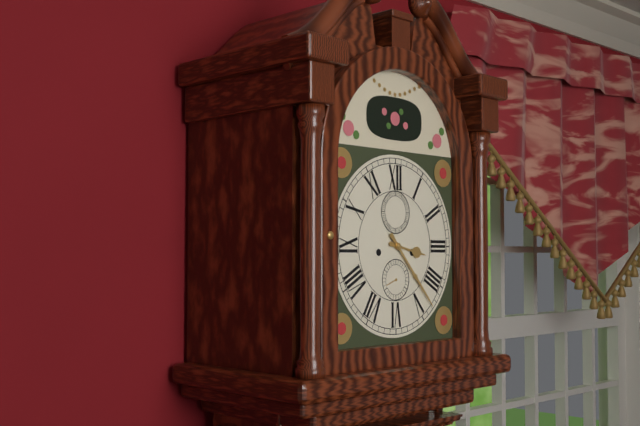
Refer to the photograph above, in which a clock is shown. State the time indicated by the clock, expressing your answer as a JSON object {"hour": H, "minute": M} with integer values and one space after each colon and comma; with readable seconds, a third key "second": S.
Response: {"hour": 3, "minute": 23}
